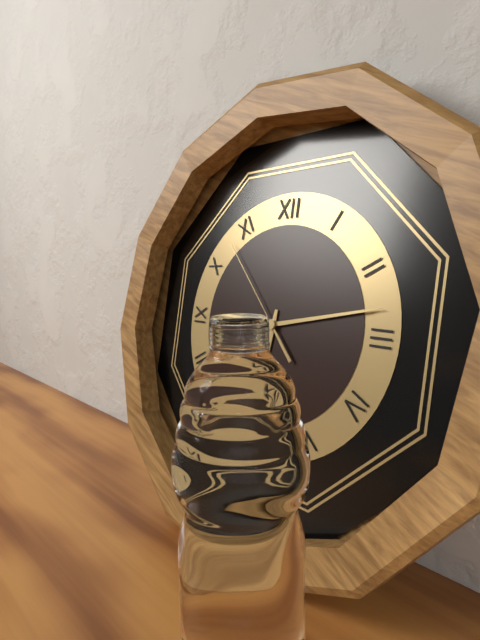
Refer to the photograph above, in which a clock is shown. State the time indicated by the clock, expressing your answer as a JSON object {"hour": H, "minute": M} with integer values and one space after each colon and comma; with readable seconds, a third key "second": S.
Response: {"hour": 6, "minute": 13, "second": 53}
